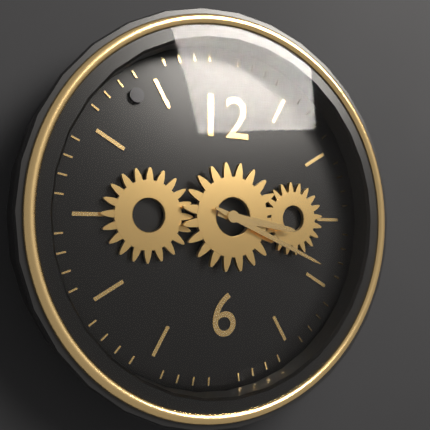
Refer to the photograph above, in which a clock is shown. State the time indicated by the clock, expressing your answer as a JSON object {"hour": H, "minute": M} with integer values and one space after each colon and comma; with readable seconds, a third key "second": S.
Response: {"hour": 3, "minute": 19}
